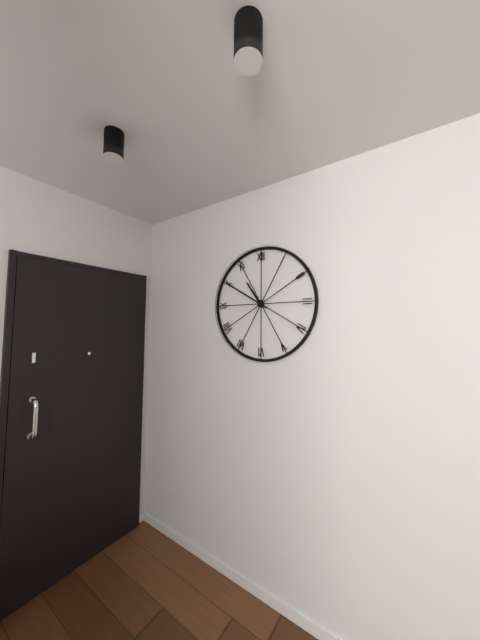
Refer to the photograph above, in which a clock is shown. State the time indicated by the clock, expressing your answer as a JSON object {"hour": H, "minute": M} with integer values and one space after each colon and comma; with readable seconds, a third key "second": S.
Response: {"hour": 10, "minute": 50}
